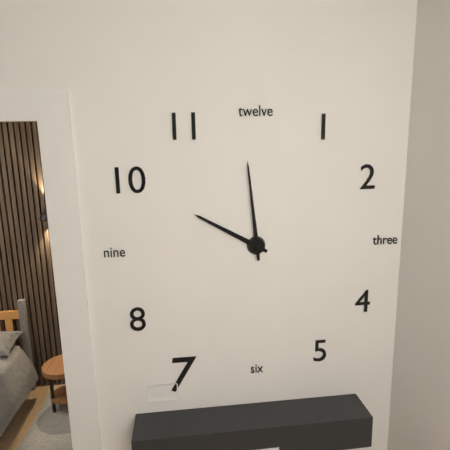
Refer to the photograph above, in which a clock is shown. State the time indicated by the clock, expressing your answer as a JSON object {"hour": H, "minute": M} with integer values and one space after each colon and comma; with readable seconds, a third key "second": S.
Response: {"hour": 9, "minute": 59}
